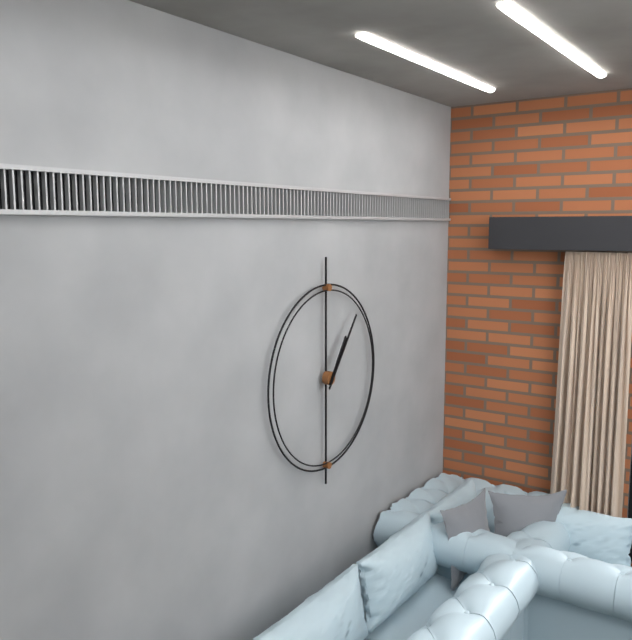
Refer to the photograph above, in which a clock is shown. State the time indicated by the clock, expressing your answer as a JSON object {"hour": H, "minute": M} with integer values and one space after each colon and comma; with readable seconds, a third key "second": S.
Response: {"hour": 1, "minute": 6}
